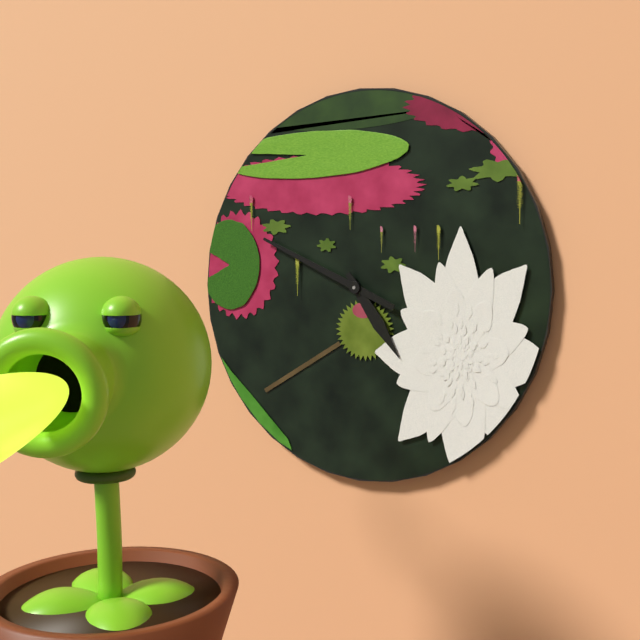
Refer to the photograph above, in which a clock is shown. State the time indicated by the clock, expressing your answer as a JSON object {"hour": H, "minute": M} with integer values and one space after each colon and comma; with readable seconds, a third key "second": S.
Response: {"hour": 4, "minute": 49}
